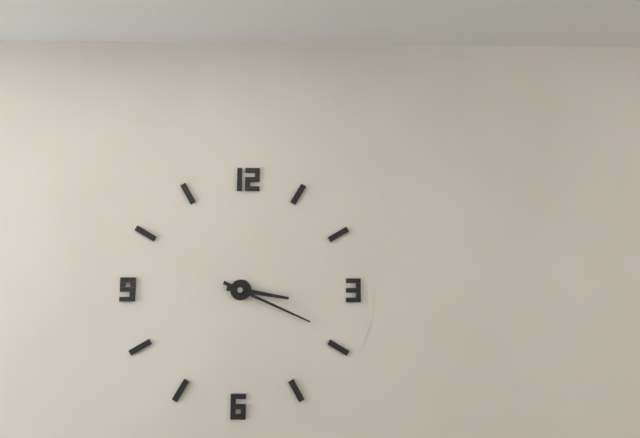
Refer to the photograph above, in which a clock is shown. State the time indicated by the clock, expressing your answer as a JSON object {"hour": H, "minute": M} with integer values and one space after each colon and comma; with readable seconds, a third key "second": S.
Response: {"hour": 3, "minute": 19}
